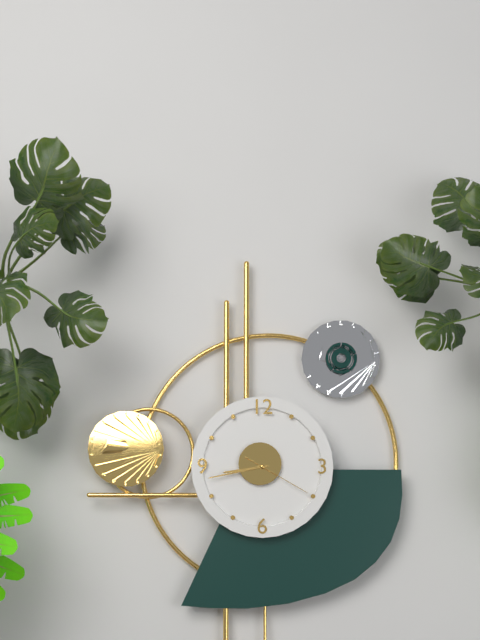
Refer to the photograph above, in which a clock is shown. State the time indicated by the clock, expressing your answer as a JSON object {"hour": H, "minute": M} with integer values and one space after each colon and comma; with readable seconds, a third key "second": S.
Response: {"hour": 8, "minute": 43, "second": 20}
